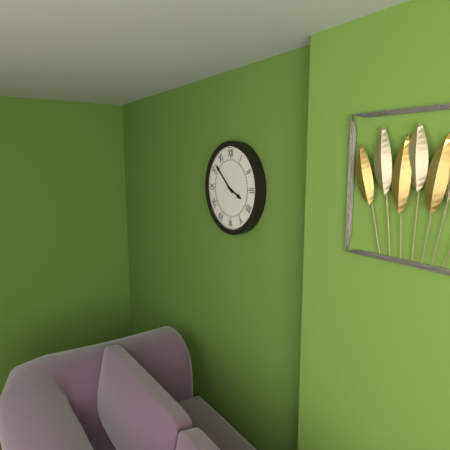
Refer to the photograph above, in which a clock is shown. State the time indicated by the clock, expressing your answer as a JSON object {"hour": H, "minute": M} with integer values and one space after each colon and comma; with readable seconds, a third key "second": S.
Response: {"hour": 3, "minute": 52}
